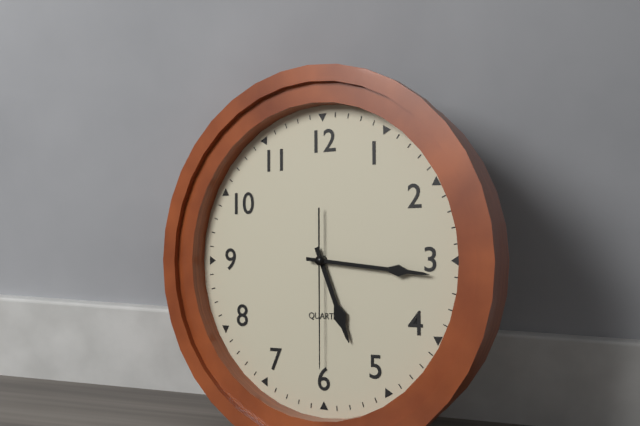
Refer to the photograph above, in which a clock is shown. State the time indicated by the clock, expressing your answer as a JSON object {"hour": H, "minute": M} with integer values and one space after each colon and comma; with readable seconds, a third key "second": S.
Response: {"hour": 5, "minute": 16, "second": 30}
